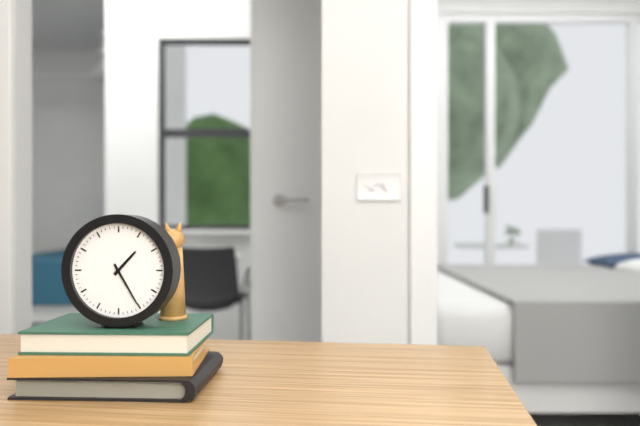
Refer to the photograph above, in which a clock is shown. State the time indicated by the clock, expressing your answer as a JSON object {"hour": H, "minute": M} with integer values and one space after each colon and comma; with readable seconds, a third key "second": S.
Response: {"hour": 1, "minute": 25}
